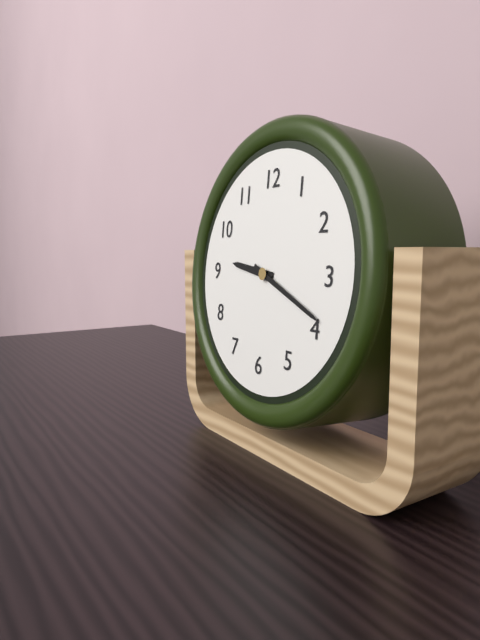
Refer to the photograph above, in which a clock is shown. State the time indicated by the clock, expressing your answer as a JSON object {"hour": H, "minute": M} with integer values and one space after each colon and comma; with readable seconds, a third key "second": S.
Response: {"hour": 9, "minute": 19}
